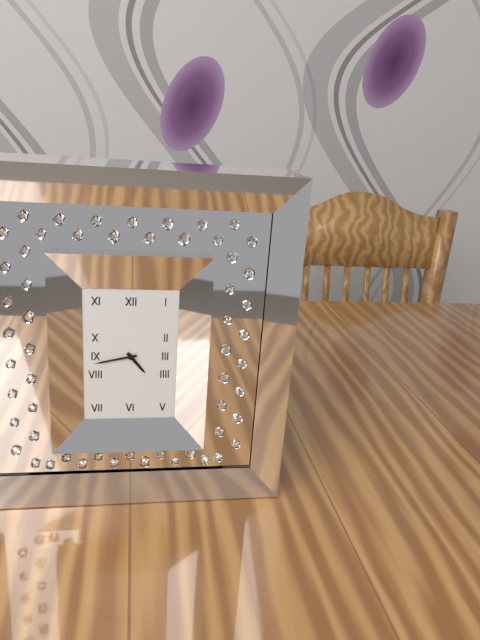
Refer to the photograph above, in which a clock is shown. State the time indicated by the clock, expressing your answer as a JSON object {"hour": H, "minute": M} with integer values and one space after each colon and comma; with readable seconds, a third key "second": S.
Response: {"hour": 4, "minute": 43}
